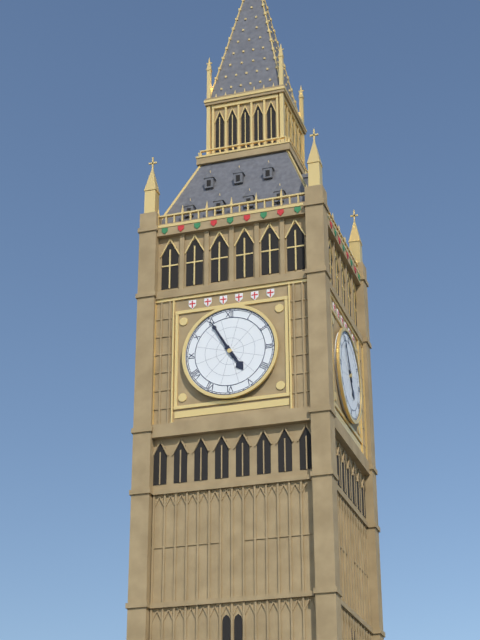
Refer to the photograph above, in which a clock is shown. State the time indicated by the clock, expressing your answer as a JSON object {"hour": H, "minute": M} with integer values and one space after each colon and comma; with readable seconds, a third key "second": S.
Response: {"hour": 4, "minute": 55}
